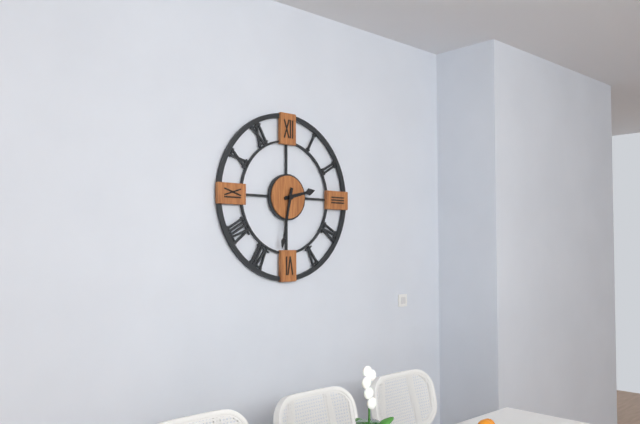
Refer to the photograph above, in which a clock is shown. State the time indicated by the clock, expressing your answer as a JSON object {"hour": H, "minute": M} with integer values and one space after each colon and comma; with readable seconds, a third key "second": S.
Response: {"hour": 2, "minute": 32}
